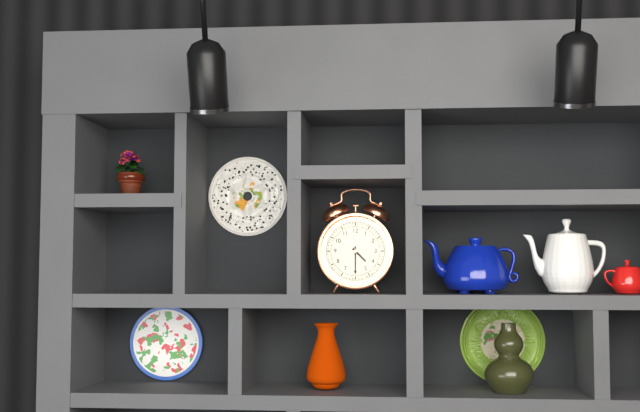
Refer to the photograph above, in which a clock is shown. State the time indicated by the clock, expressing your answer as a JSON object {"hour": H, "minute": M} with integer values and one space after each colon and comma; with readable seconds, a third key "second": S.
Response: {"hour": 4, "minute": 30}
